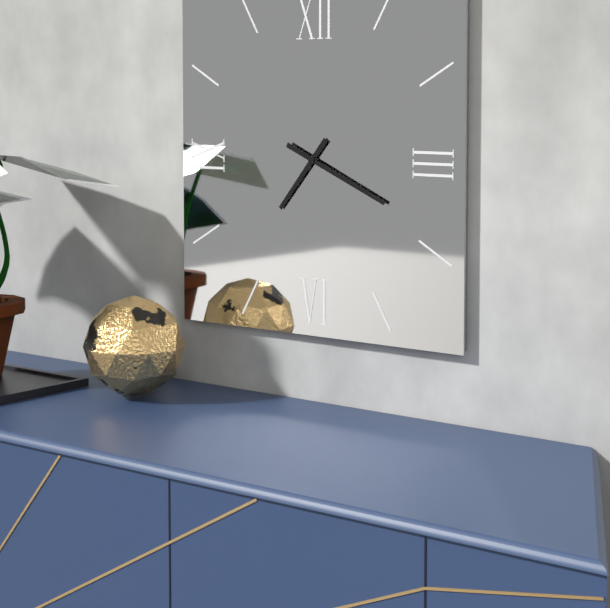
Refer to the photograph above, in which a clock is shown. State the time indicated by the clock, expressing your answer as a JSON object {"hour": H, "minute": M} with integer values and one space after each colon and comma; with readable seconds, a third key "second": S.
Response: {"hour": 7, "minute": 19}
